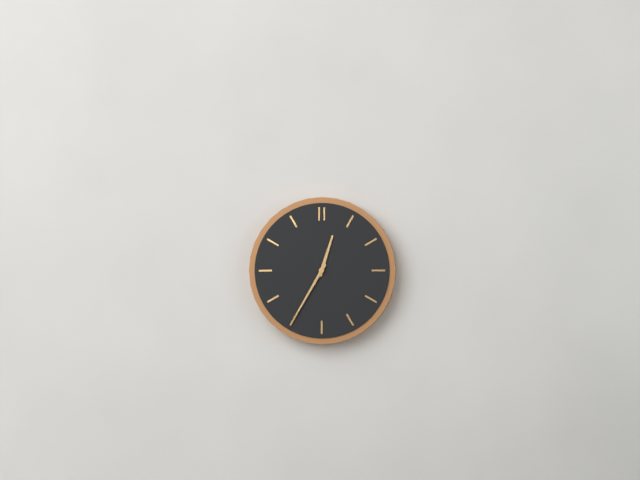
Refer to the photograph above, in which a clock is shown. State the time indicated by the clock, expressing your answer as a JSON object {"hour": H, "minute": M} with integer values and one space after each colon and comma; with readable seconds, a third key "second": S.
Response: {"hour": 12, "minute": 35}
